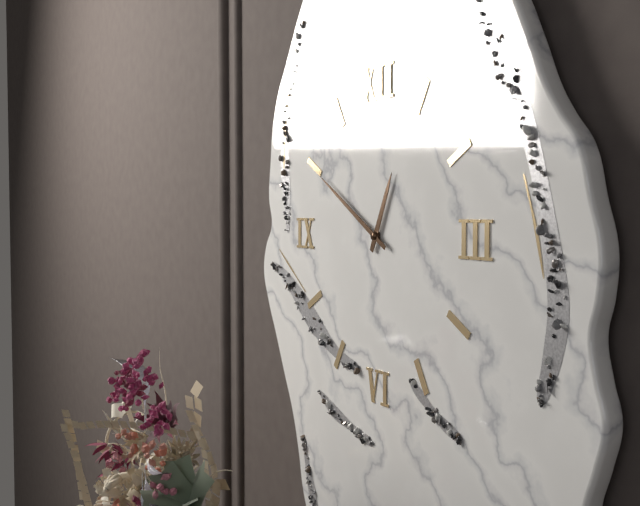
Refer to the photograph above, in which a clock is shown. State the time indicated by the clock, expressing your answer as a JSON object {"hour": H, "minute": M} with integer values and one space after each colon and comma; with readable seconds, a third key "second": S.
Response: {"hour": 12, "minute": 50}
